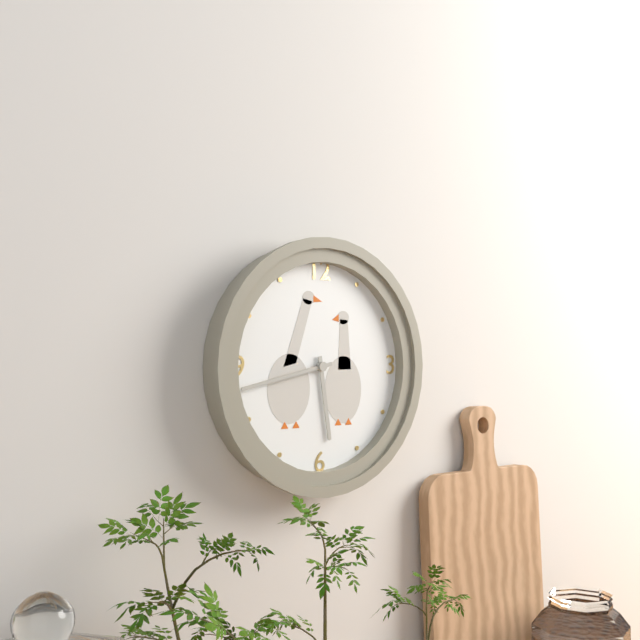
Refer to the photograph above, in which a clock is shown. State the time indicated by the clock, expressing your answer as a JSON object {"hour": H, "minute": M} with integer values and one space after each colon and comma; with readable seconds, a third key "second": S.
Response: {"hour": 5, "minute": 43}
